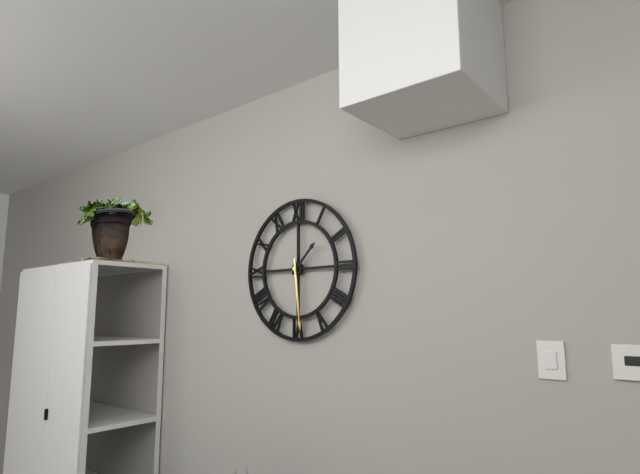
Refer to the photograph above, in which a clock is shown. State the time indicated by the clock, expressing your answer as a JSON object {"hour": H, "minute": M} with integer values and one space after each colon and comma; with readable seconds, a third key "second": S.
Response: {"hour": 1, "minute": 29}
